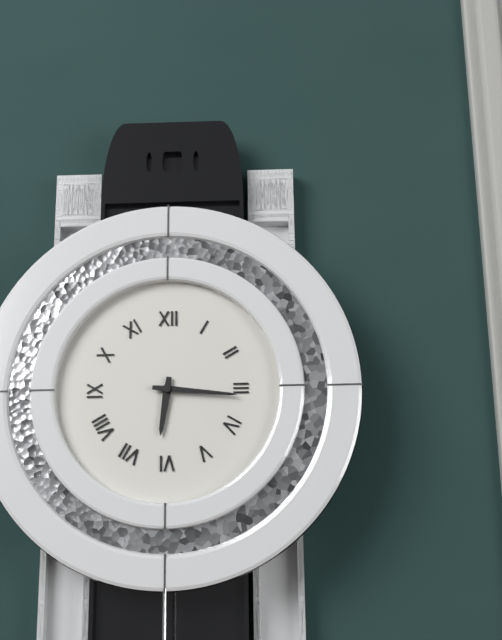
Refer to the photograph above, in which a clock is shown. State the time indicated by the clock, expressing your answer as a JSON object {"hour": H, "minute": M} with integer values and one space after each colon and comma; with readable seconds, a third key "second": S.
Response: {"hour": 6, "minute": 16}
